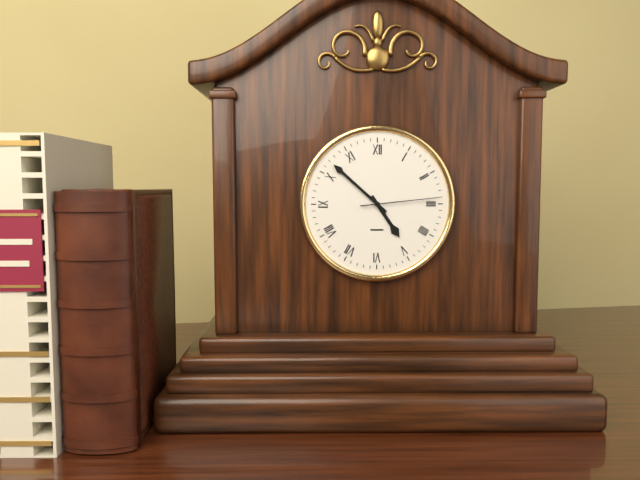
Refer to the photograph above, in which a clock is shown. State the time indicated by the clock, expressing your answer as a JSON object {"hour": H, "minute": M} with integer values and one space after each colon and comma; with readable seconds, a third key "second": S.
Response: {"hour": 4, "minute": 52, "second": 14}
